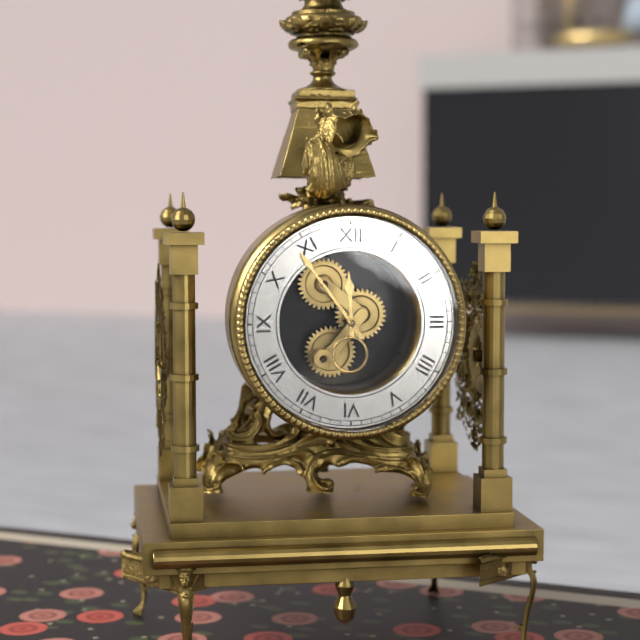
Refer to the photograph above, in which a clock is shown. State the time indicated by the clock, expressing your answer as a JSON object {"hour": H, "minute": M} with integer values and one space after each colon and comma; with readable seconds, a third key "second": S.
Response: {"hour": 11, "minute": 54}
